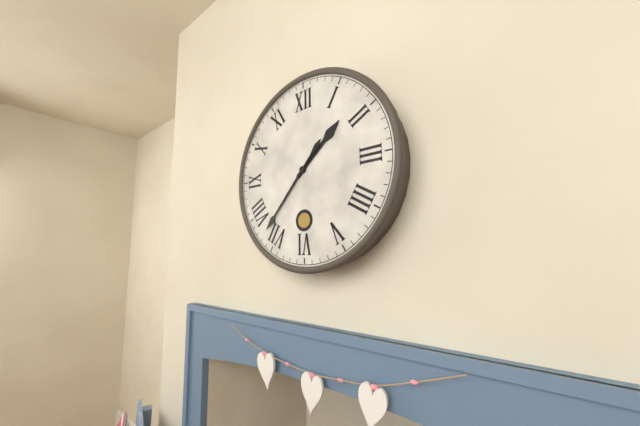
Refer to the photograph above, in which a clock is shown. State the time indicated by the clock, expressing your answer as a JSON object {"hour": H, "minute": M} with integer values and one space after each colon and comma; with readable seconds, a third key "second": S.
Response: {"hour": 1, "minute": 37}
